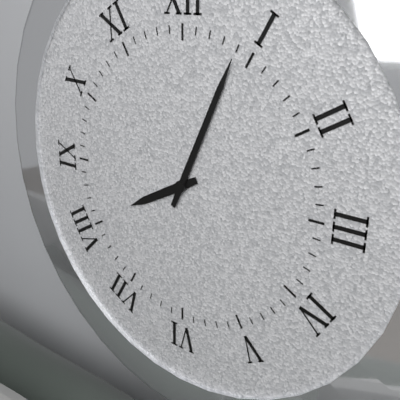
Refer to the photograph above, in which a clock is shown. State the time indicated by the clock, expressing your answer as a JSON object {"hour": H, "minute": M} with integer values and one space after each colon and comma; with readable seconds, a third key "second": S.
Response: {"hour": 8, "minute": 4}
